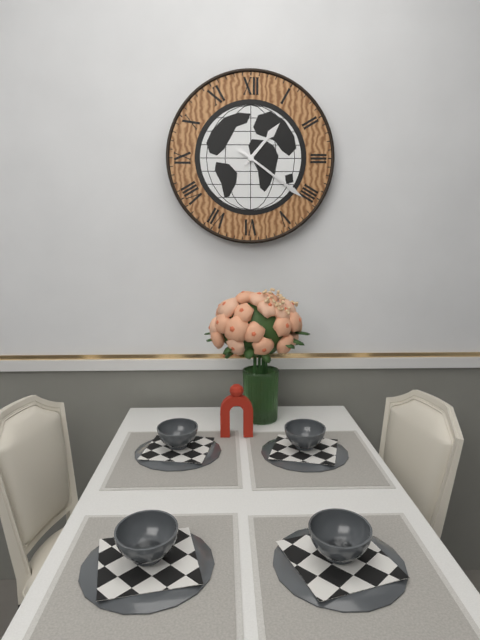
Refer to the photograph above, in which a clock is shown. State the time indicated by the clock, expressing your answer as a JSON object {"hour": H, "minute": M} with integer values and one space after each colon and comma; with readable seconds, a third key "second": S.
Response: {"hour": 1, "minute": 21}
